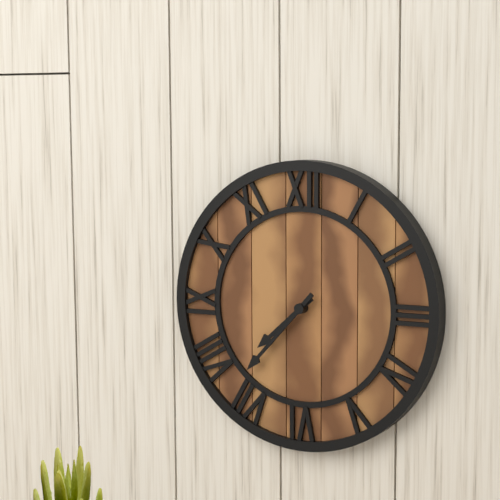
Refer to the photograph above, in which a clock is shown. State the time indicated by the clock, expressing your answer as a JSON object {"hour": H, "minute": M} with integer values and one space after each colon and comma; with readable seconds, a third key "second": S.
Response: {"hour": 7, "minute": 37}
